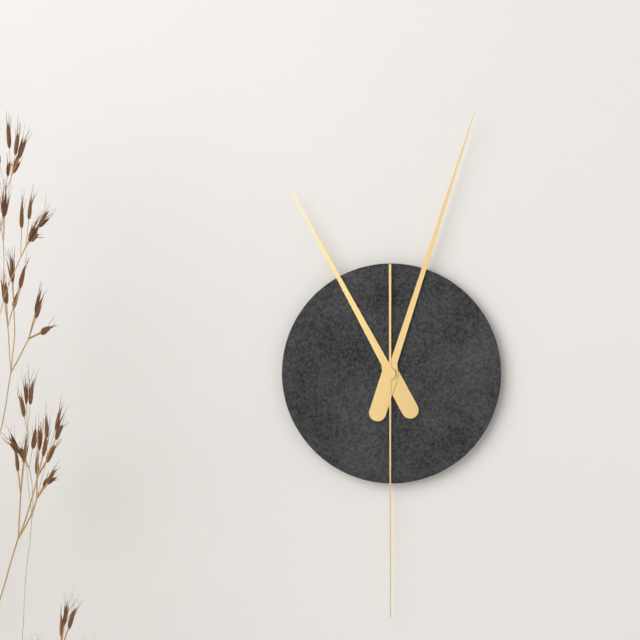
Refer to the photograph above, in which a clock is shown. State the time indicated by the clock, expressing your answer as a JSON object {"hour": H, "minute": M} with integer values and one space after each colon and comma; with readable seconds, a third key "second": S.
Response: {"hour": 11, "minute": 3, "second": 30}
